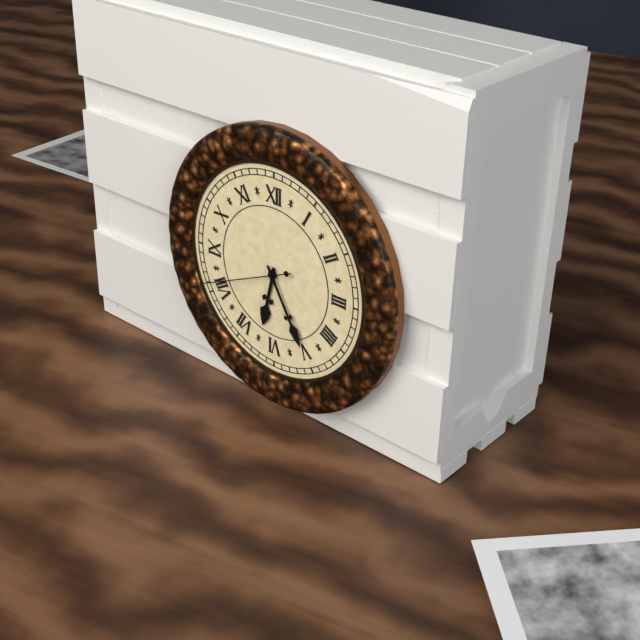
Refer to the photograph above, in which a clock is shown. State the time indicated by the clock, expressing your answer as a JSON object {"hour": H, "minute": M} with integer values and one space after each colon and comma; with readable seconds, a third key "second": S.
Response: {"hour": 6, "minute": 25, "second": 41}
